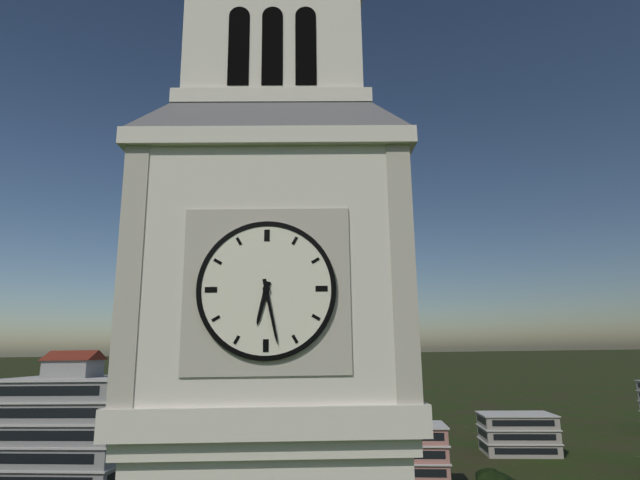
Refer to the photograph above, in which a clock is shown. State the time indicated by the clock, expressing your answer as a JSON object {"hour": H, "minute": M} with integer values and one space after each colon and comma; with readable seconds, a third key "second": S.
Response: {"hour": 6, "minute": 28}
